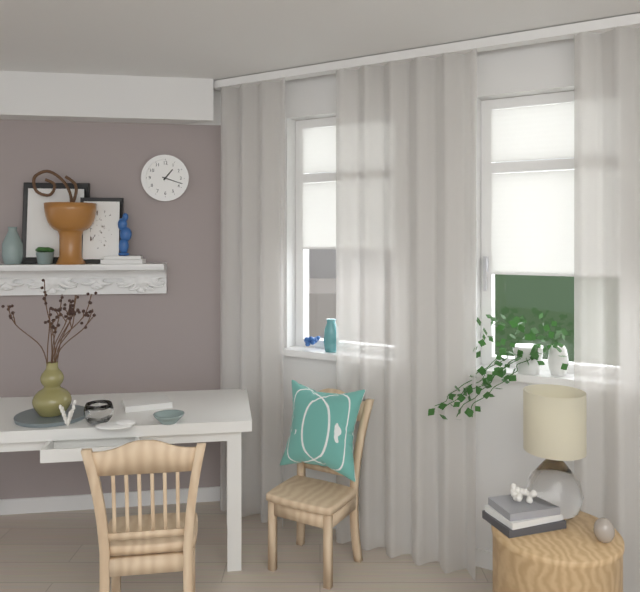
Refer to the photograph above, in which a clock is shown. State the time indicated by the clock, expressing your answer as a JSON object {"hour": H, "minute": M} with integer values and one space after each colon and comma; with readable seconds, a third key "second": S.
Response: {"hour": 1, "minute": 18}
